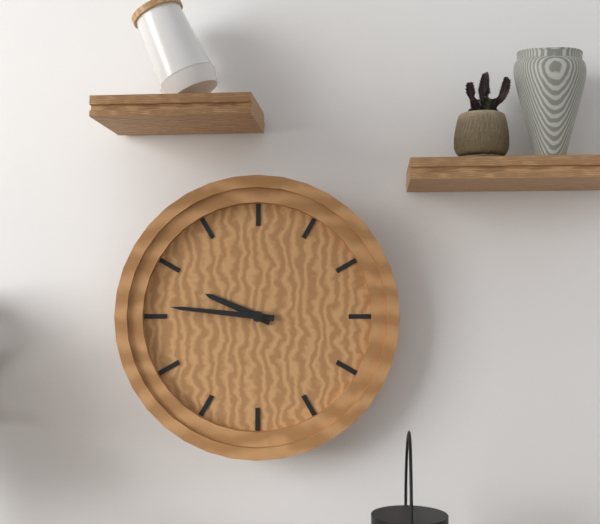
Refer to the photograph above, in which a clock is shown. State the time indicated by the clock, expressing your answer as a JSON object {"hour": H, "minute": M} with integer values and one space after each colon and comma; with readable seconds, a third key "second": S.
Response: {"hour": 9, "minute": 46}
